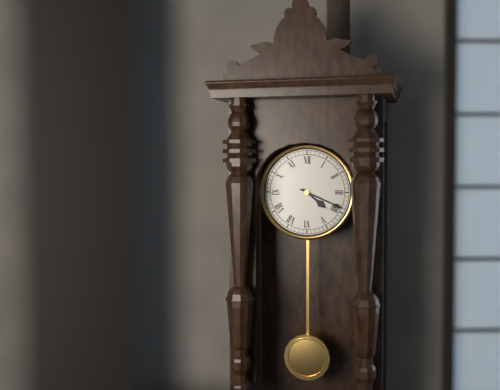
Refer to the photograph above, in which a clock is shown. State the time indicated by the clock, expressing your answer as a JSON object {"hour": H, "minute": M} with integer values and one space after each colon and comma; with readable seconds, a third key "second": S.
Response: {"hour": 4, "minute": 19}
